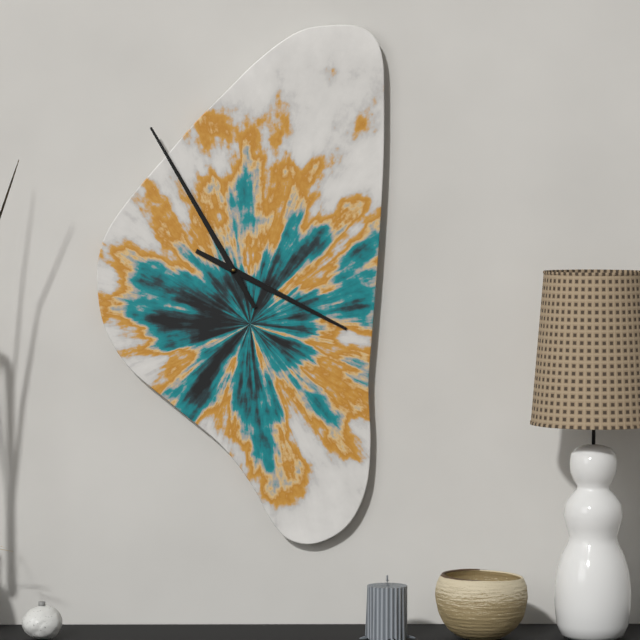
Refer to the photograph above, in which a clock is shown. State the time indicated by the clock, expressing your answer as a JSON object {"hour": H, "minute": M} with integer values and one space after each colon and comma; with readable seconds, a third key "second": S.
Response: {"hour": 3, "minute": 55}
